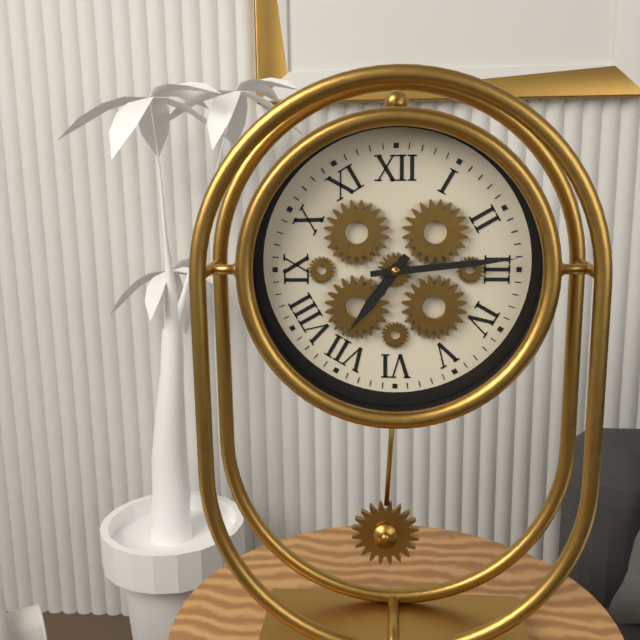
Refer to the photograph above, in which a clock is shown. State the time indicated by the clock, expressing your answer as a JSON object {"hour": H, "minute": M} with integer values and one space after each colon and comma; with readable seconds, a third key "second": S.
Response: {"hour": 7, "minute": 14}
